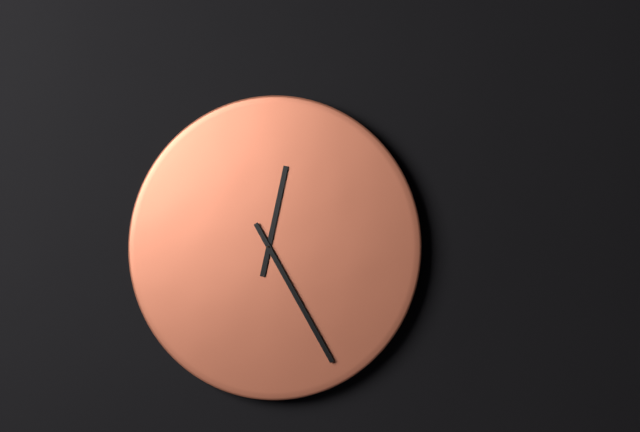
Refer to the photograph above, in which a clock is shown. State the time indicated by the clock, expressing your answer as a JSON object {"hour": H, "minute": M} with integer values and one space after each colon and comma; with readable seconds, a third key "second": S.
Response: {"hour": 12, "minute": 25}
